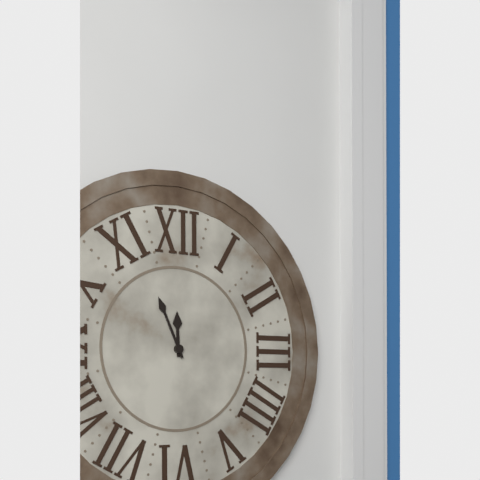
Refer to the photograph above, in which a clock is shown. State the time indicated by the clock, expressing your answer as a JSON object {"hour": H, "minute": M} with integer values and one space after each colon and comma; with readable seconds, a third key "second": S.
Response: {"hour": 11, "minute": 56}
